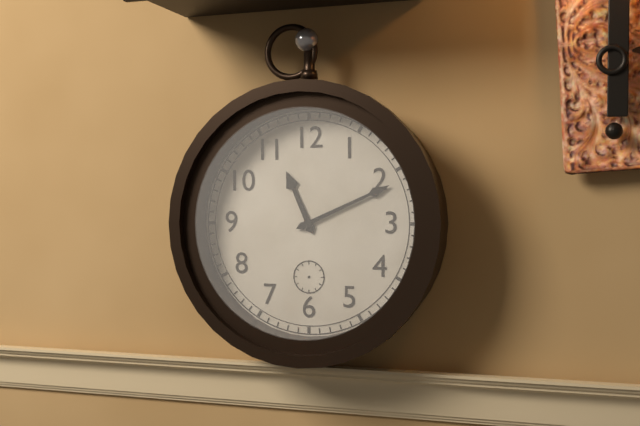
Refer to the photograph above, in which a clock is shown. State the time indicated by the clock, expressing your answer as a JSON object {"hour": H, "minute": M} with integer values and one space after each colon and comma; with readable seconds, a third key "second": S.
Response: {"hour": 11, "minute": 11}
